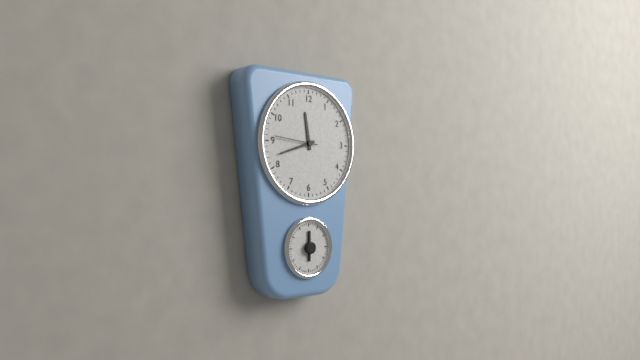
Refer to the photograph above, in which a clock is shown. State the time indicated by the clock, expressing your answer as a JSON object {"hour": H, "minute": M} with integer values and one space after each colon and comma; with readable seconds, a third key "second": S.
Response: {"hour": 11, "minute": 42}
